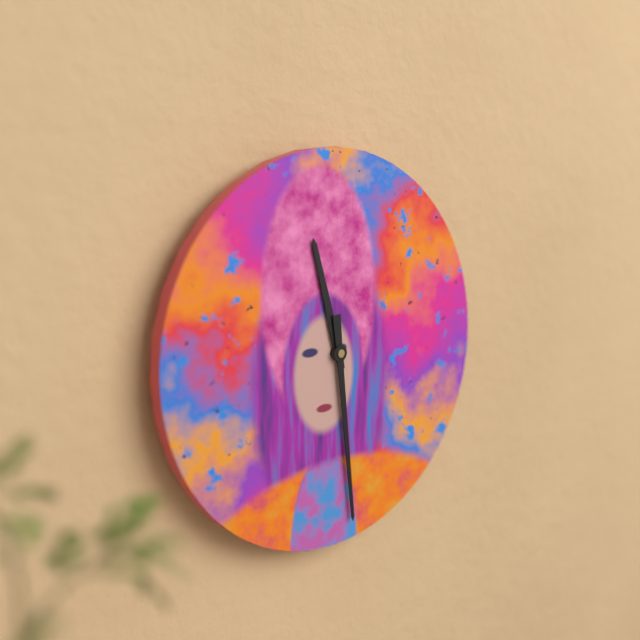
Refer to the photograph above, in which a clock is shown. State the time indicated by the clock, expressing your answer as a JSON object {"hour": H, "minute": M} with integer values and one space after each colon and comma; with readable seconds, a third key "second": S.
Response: {"hour": 11, "minute": 29}
